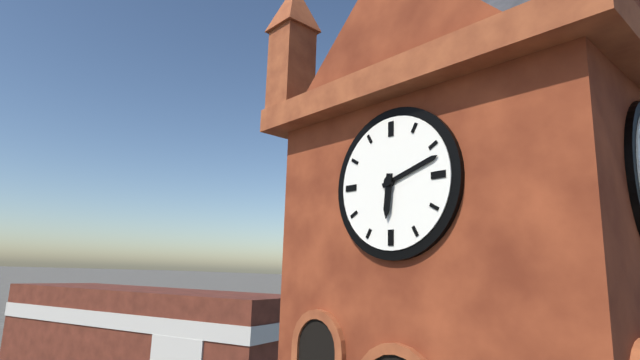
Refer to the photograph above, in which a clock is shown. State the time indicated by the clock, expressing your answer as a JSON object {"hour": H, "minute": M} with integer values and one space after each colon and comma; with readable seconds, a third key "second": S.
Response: {"hour": 6, "minute": 12}
